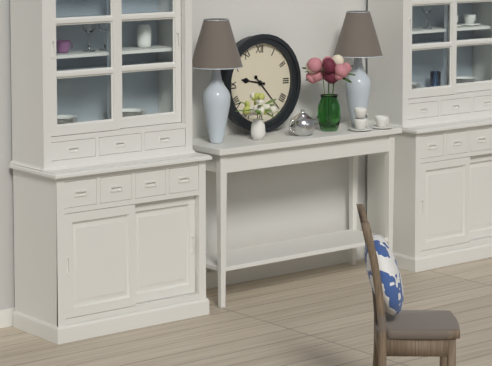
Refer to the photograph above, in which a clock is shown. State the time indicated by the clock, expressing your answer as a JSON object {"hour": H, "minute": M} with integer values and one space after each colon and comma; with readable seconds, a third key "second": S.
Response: {"hour": 9, "minute": 23}
